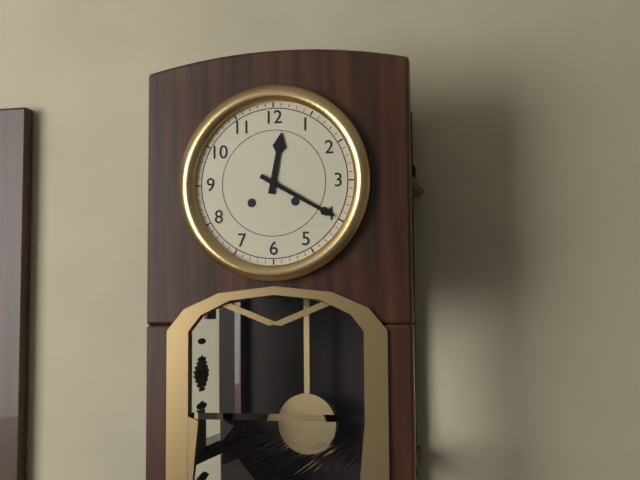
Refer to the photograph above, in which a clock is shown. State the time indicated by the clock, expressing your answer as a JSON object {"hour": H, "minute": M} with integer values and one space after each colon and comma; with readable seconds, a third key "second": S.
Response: {"hour": 12, "minute": 20}
